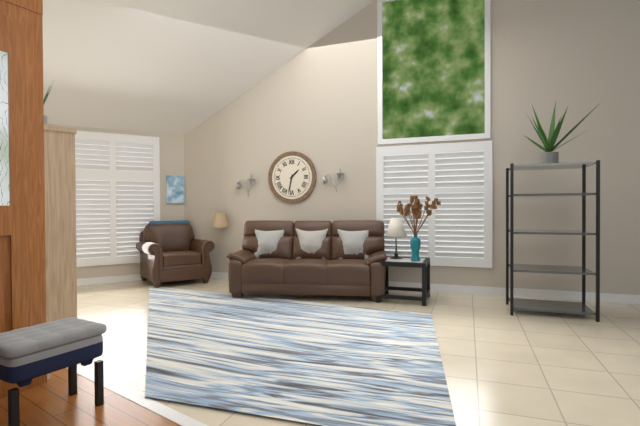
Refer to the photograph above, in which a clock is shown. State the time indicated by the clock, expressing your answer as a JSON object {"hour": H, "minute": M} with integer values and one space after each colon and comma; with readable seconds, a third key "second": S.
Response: {"hour": 1, "minute": 32}
